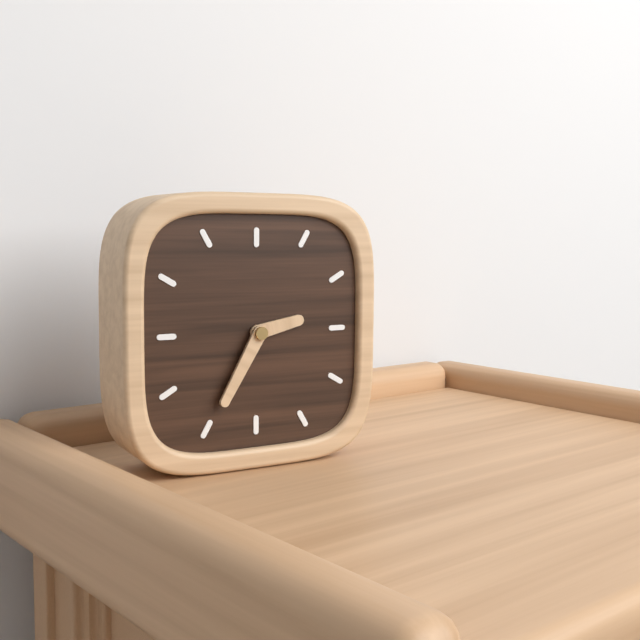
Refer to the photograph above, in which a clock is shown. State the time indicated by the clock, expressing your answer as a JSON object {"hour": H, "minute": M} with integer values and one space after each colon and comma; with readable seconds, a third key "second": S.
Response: {"hour": 2, "minute": 35}
